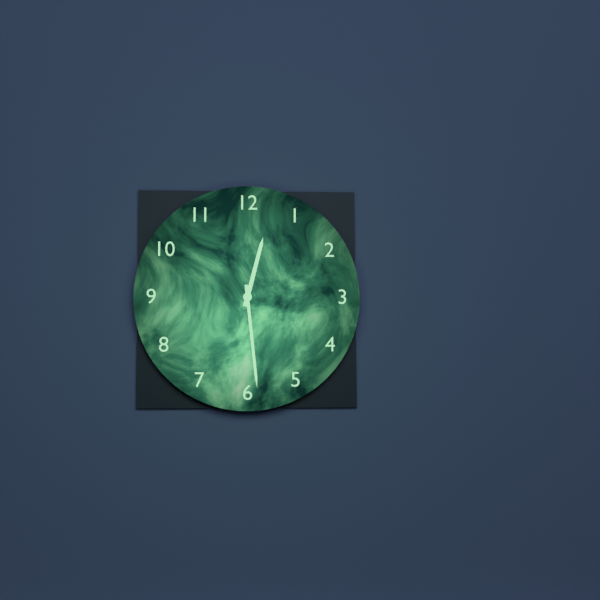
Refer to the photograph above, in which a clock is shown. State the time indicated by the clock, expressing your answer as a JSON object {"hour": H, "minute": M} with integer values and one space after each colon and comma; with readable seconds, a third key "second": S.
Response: {"hour": 12, "minute": 29}
